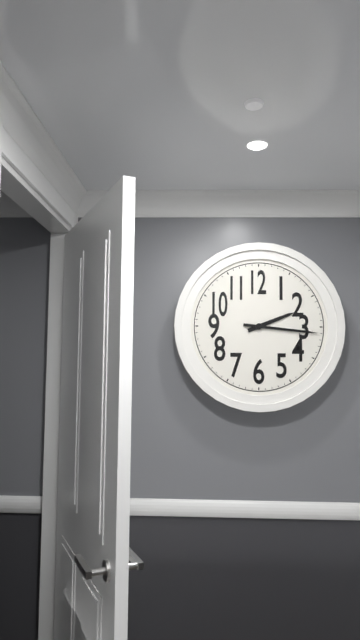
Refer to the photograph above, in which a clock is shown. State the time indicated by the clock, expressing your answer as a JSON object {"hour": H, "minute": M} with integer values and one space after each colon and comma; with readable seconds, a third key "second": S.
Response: {"hour": 2, "minute": 16}
